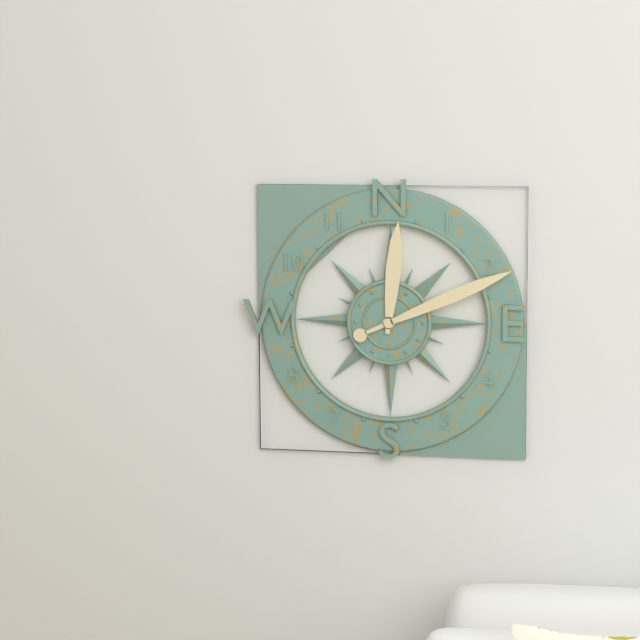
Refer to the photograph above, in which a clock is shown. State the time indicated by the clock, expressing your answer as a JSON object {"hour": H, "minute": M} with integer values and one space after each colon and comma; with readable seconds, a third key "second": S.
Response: {"hour": 12, "minute": 11}
